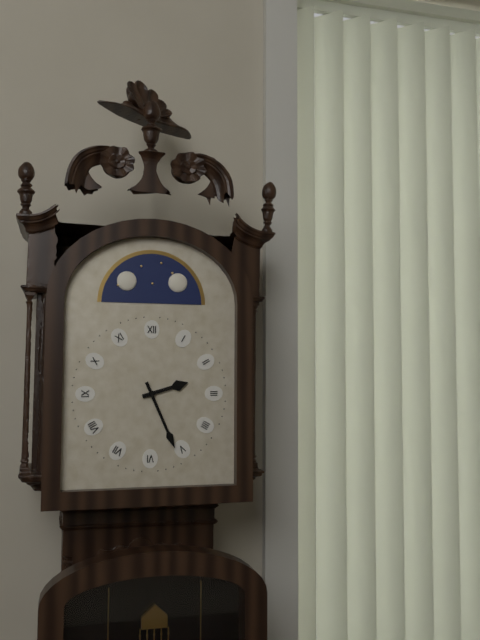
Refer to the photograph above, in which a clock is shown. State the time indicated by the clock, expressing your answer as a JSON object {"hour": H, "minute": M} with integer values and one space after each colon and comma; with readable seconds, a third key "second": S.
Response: {"hour": 2, "minute": 26}
